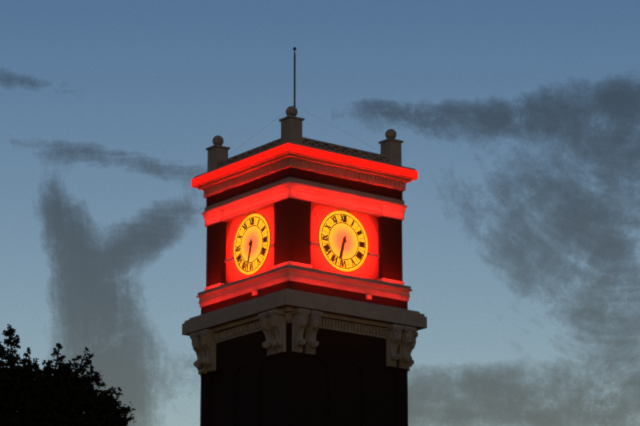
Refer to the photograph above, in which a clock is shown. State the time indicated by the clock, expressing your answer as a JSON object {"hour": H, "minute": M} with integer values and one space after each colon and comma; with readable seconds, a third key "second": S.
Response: {"hour": 6, "minute": 32}
